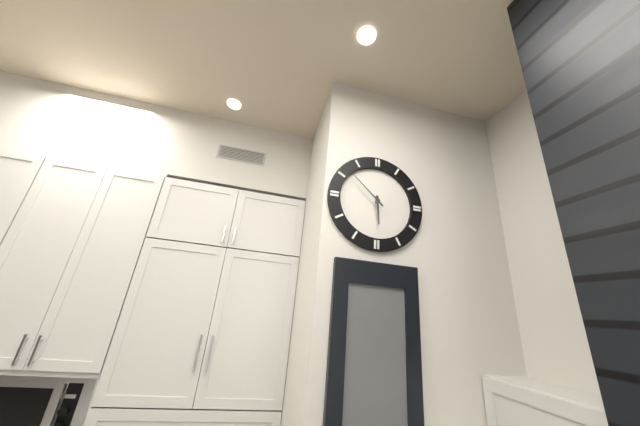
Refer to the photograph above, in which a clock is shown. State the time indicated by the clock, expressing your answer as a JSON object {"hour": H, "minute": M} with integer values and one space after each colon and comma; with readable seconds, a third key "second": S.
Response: {"hour": 5, "minute": 52}
